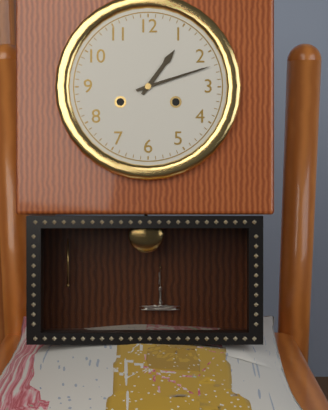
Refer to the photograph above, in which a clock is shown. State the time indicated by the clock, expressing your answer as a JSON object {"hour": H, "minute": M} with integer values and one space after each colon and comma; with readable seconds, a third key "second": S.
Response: {"hour": 1, "minute": 12}
